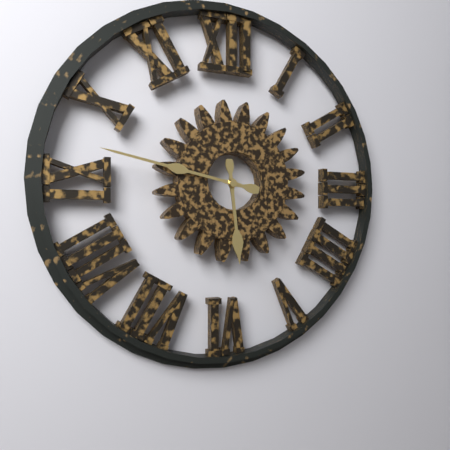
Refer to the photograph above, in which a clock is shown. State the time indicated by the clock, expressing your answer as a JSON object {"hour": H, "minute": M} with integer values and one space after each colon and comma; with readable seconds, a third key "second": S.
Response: {"hour": 5, "minute": 47}
